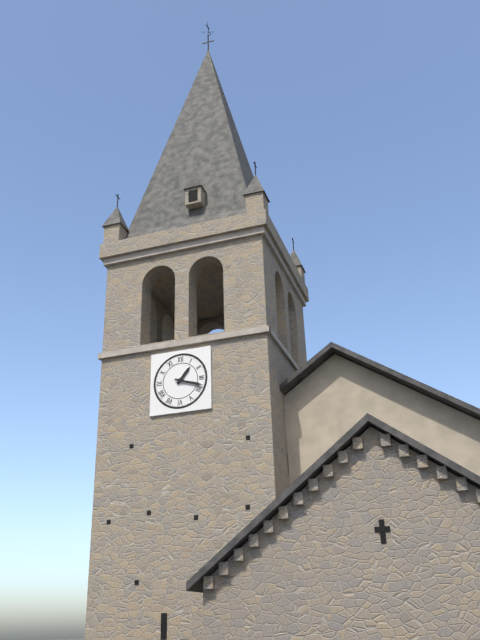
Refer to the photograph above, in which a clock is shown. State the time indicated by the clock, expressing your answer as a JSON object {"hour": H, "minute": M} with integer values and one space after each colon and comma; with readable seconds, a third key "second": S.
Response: {"hour": 1, "minute": 18}
